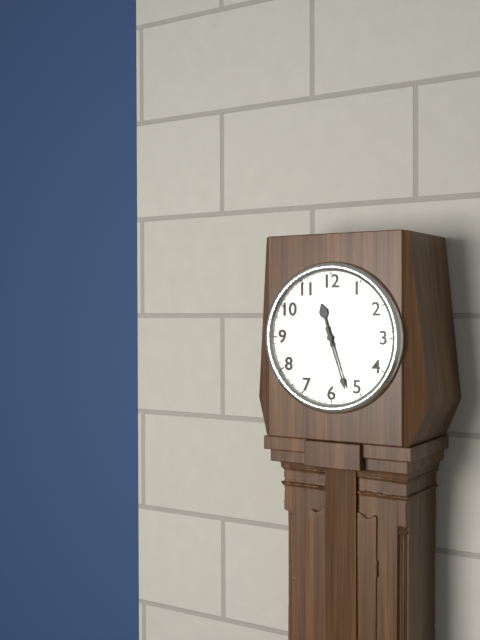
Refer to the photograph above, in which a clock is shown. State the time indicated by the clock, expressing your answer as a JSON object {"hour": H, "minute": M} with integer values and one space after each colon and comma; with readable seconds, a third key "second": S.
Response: {"hour": 11, "minute": 27}
